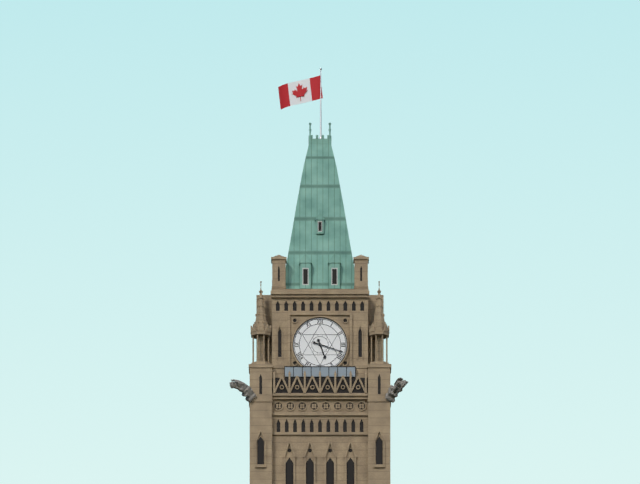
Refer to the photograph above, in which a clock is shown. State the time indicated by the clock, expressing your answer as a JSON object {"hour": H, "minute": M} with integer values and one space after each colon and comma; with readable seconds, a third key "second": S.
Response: {"hour": 5, "minute": 18}
